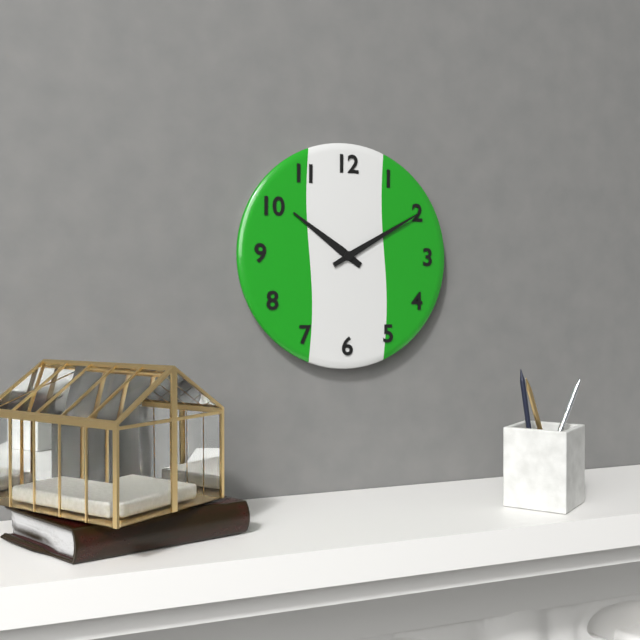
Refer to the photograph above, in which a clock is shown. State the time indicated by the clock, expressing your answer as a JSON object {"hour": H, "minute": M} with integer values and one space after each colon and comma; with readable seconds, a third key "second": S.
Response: {"hour": 10, "minute": 10}
